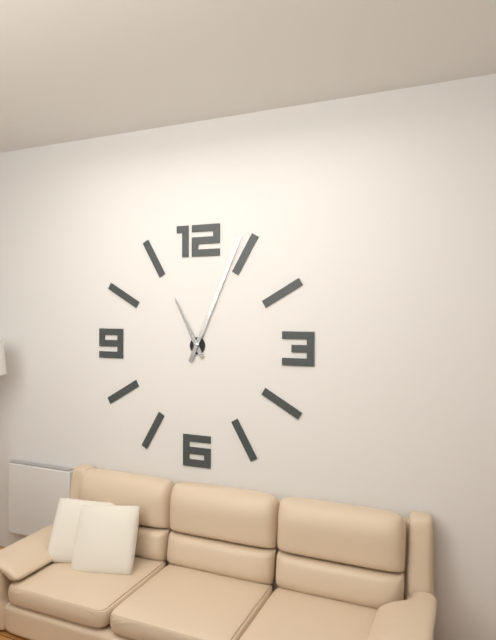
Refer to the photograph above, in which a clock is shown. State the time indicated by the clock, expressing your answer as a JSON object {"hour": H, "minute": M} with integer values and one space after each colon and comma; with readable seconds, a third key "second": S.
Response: {"hour": 11, "minute": 4}
